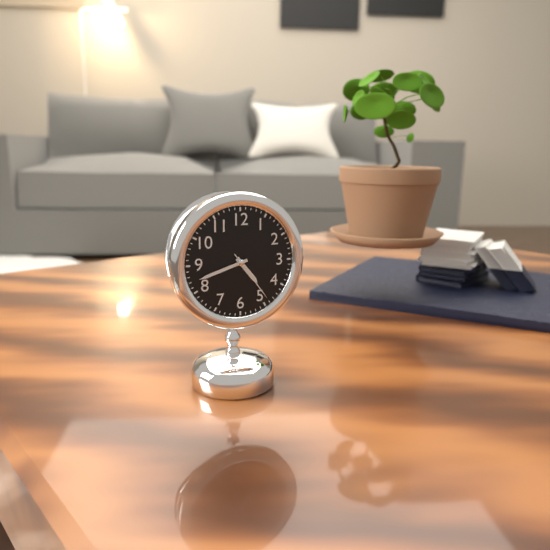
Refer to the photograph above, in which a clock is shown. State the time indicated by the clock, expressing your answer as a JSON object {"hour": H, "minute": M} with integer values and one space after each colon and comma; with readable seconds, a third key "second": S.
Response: {"hour": 4, "minute": 42, "second": 24}
